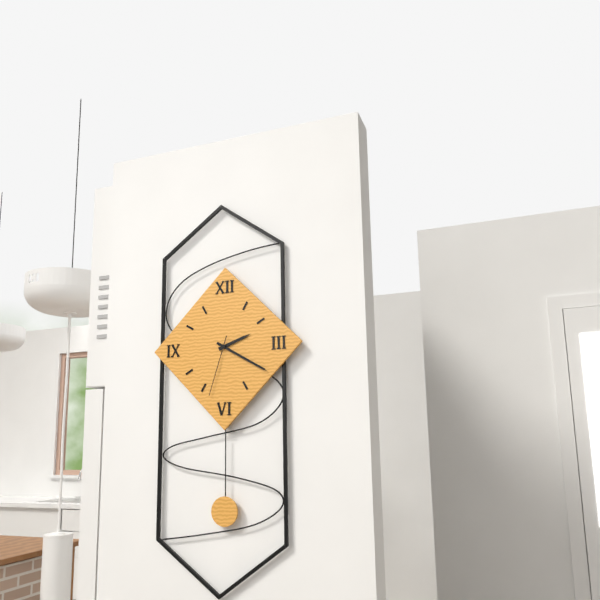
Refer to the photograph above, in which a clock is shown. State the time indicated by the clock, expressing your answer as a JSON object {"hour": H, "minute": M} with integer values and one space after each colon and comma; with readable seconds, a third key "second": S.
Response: {"hour": 2, "minute": 20, "second": 33}
